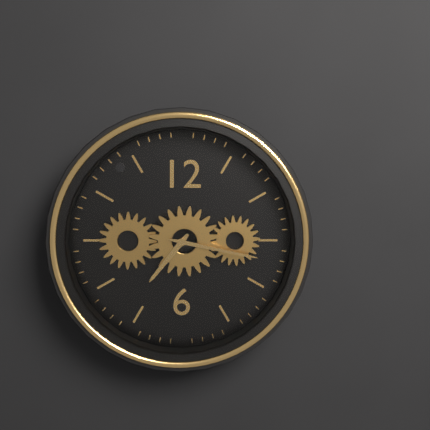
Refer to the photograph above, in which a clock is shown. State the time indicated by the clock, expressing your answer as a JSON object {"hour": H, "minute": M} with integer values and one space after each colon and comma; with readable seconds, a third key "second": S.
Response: {"hour": 7, "minute": 17}
